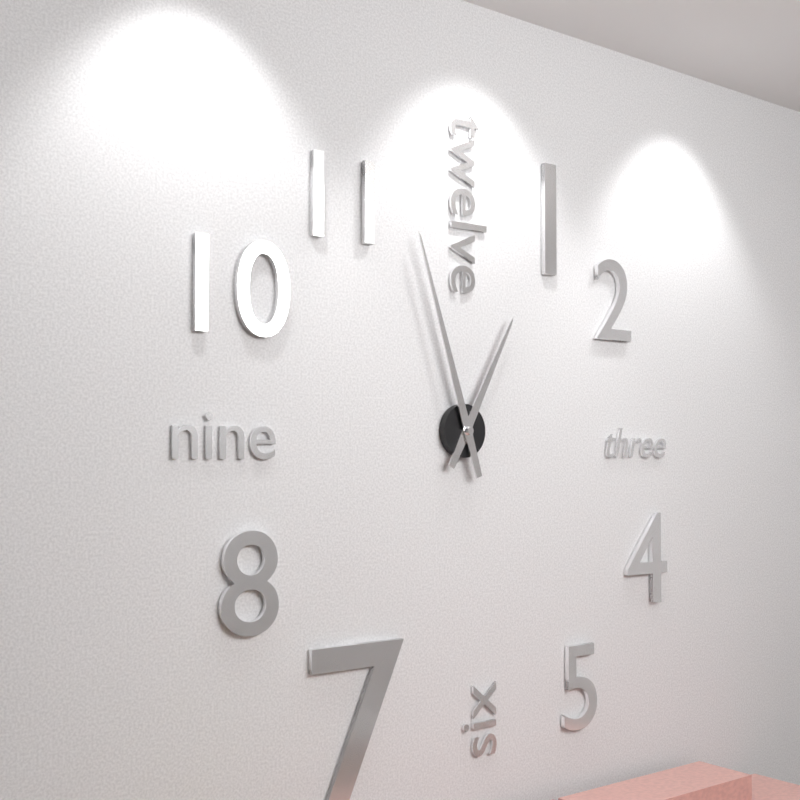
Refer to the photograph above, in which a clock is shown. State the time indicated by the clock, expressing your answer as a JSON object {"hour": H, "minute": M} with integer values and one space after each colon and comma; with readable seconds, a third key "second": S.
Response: {"hour": 12, "minute": 57}
